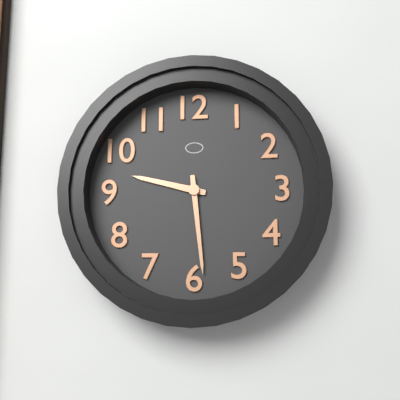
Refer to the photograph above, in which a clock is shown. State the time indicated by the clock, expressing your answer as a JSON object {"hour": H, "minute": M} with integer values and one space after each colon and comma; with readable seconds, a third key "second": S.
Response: {"hour": 9, "minute": 29}
